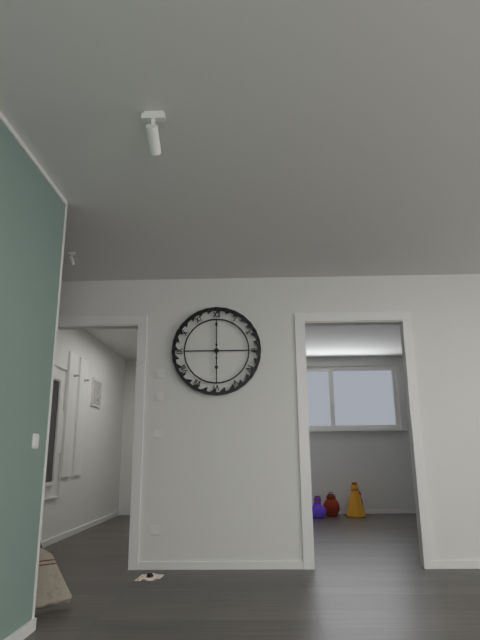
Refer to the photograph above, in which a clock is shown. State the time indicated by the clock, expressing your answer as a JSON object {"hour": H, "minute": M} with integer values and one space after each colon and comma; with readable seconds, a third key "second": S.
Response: {"hour": 6, "minute": 0}
